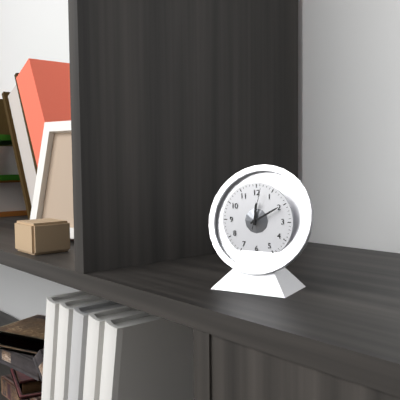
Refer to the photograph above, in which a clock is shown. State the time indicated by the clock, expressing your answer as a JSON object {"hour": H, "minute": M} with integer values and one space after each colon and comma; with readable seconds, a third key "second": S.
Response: {"hour": 12, "minute": 10}
